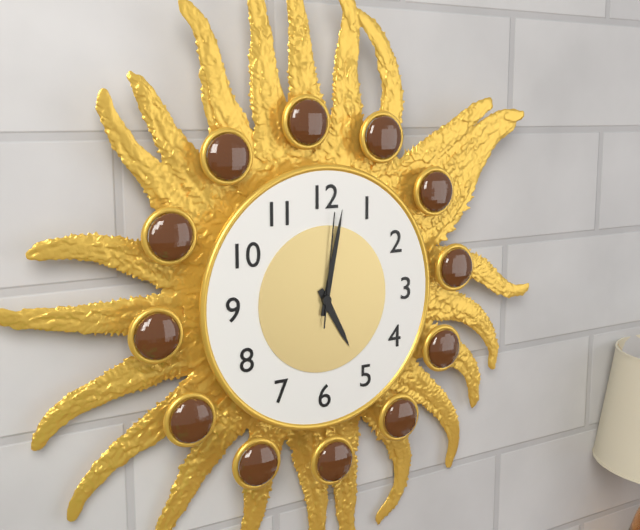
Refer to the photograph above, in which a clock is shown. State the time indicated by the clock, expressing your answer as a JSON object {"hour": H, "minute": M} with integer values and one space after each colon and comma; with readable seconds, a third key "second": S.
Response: {"hour": 5, "minute": 2, "second": 1}
